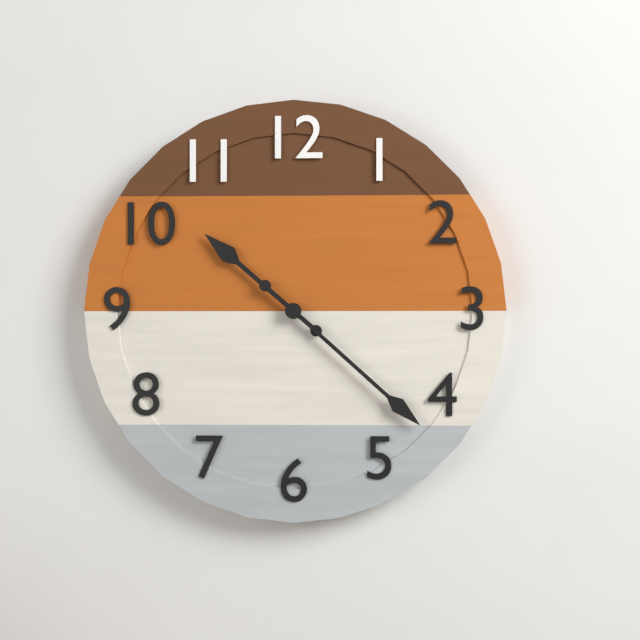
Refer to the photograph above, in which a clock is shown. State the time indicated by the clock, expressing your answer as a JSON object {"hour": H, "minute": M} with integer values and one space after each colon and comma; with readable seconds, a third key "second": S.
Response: {"hour": 10, "minute": 22}
